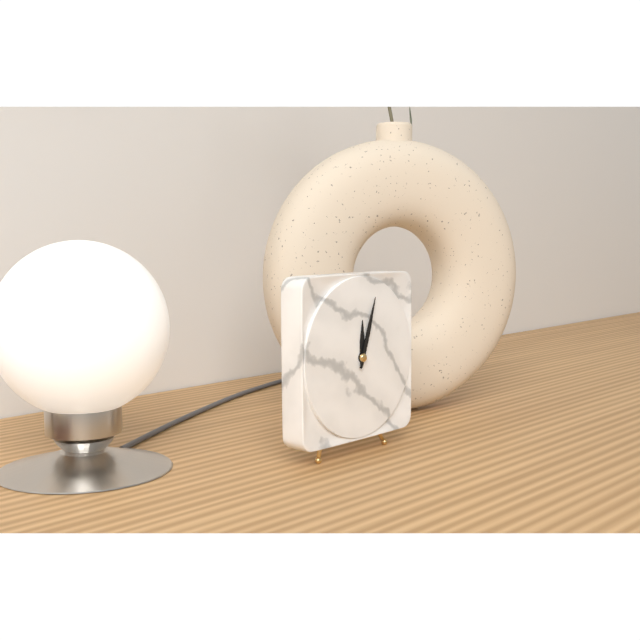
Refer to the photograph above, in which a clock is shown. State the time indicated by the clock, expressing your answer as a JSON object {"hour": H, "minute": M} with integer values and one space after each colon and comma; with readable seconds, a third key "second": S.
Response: {"hour": 12, "minute": 3}
